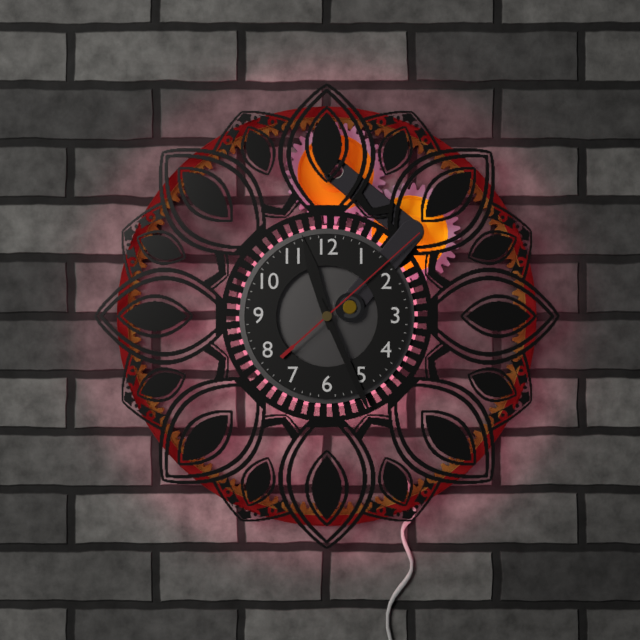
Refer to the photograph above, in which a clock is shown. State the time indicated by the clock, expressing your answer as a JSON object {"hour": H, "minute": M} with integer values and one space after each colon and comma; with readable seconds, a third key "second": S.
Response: {"hour": 11, "minute": 26, "second": 8}
